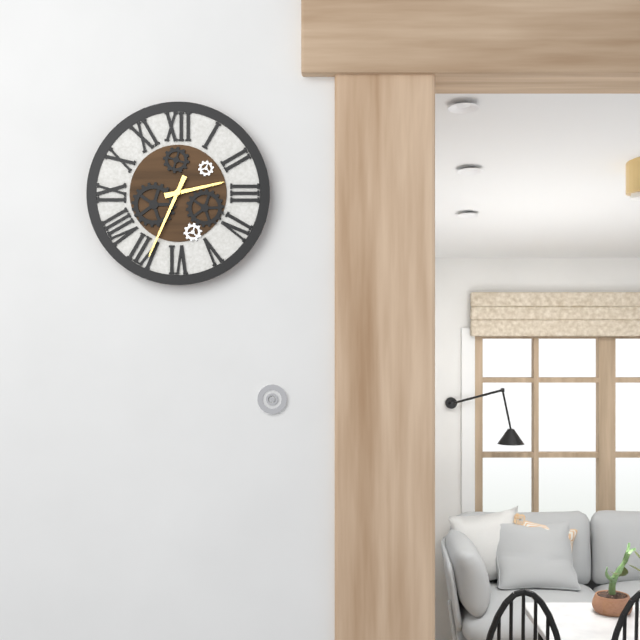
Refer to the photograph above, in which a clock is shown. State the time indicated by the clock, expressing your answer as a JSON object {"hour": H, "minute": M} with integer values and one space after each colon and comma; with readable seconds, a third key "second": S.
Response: {"hour": 2, "minute": 34}
